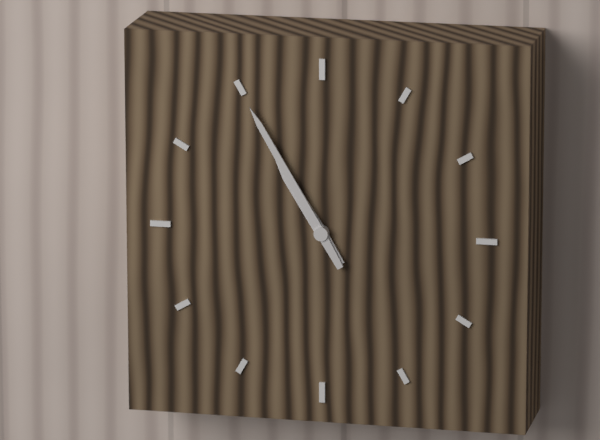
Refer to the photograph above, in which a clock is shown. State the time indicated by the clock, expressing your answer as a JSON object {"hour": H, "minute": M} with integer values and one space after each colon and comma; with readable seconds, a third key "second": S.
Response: {"hour": 10, "minute": 55}
